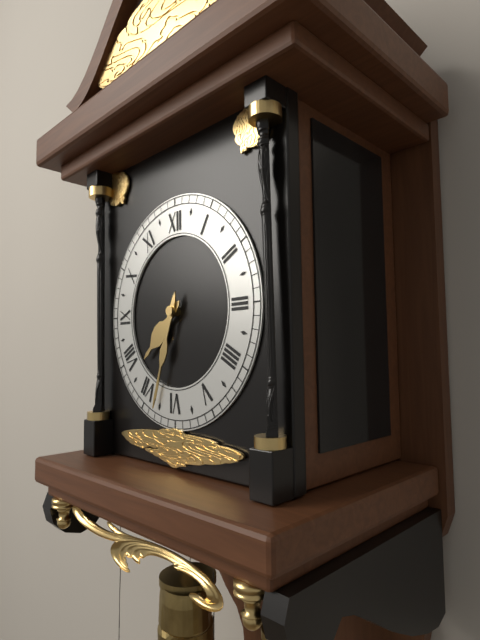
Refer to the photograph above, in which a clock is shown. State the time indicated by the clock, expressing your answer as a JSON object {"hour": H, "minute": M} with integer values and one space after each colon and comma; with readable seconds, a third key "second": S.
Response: {"hour": 7, "minute": 33}
